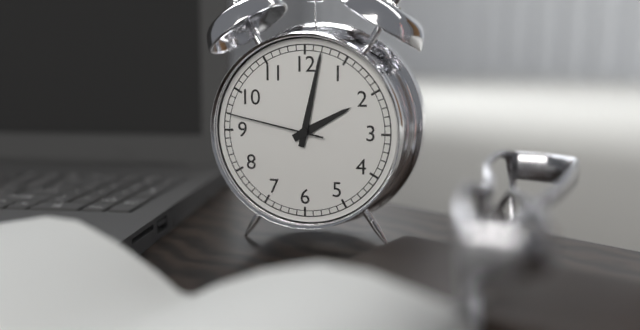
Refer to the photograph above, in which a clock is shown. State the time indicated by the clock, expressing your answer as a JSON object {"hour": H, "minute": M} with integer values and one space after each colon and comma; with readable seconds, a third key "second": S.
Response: {"hour": 2, "minute": 2, "second": 47}
